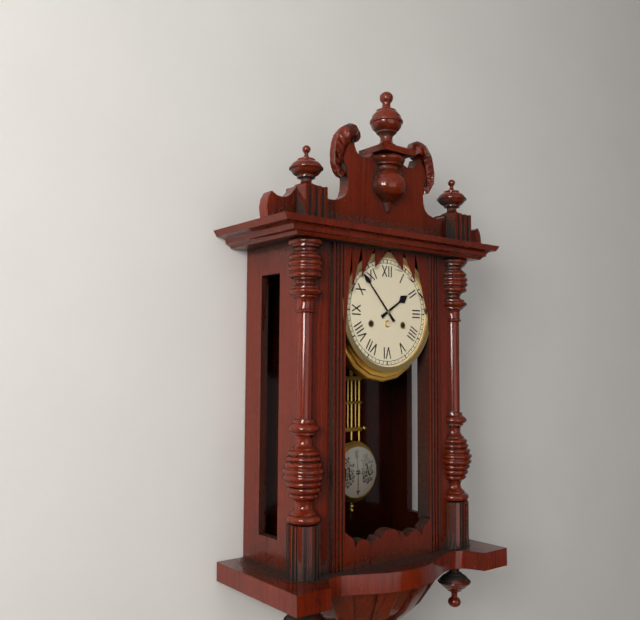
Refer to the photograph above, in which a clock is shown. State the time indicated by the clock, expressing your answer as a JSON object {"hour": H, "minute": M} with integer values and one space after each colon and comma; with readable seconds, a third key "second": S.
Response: {"hour": 1, "minute": 53}
